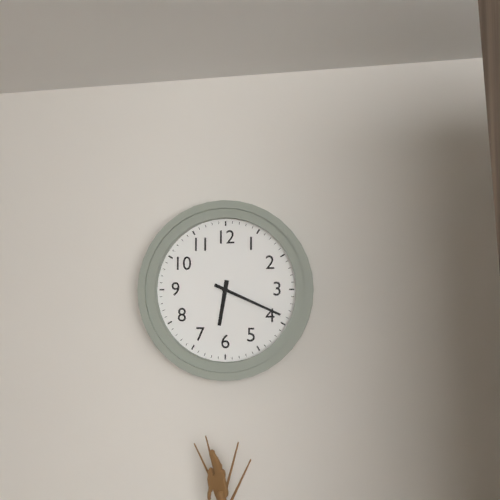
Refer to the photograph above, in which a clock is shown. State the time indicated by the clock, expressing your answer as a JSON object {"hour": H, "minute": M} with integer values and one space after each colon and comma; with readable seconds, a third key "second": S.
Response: {"hour": 6, "minute": 19}
